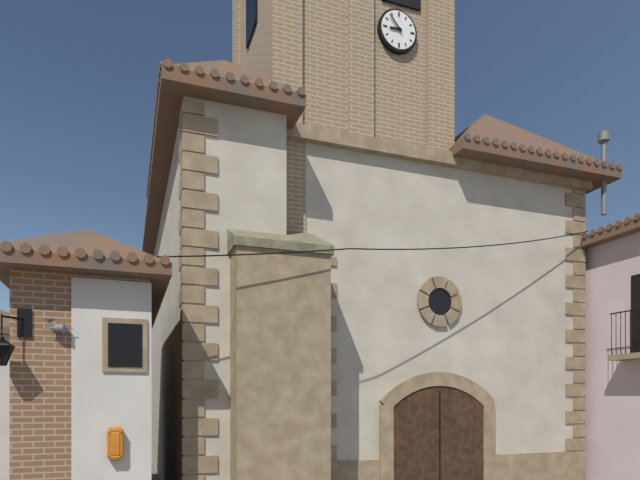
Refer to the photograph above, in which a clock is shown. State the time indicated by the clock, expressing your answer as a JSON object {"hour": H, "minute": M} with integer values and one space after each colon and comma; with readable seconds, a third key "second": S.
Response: {"hour": 8, "minute": 53}
